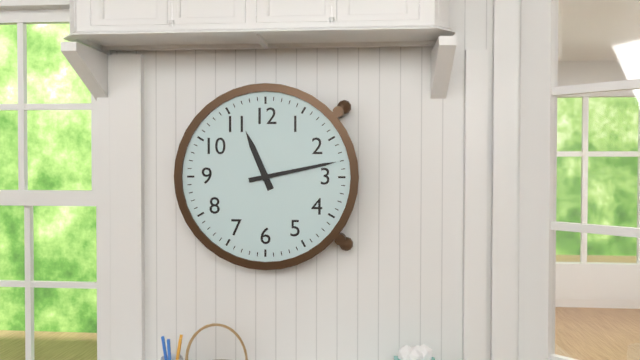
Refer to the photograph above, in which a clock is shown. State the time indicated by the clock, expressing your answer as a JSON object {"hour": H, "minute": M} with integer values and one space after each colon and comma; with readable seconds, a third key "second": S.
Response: {"hour": 11, "minute": 13}
